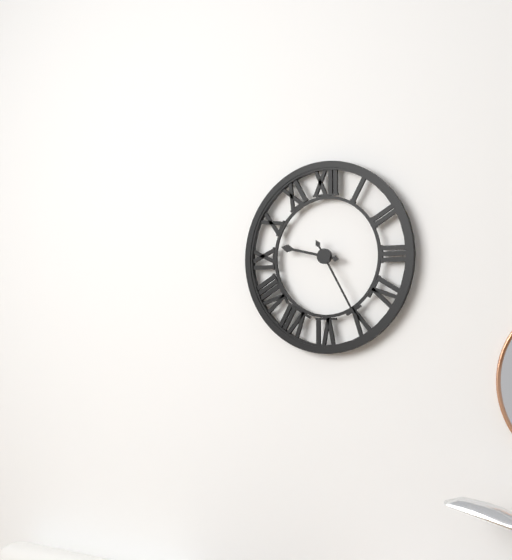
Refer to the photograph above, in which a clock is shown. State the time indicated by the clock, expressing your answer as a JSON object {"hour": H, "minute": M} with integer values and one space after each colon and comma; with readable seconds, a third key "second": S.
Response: {"hour": 9, "minute": 25}
